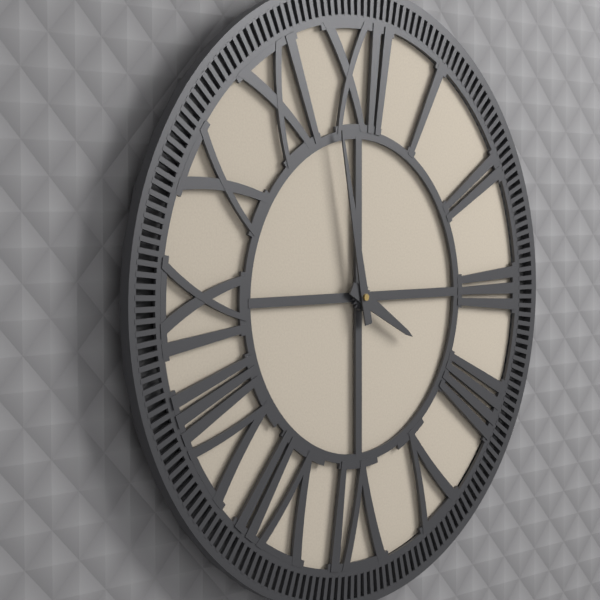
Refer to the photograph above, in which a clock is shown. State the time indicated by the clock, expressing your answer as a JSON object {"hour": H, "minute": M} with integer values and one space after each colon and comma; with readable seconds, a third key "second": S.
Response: {"hour": 3, "minute": 58}
